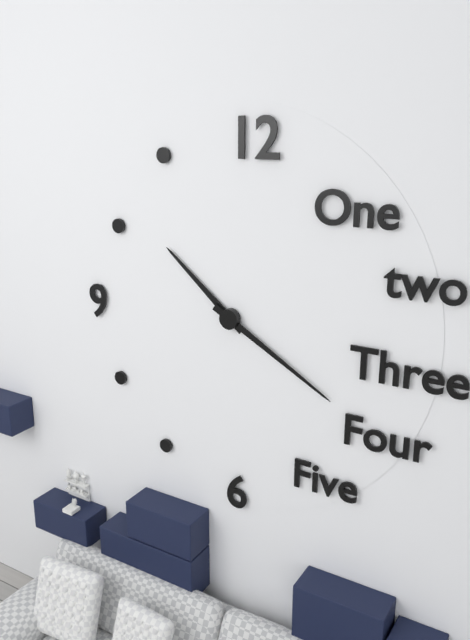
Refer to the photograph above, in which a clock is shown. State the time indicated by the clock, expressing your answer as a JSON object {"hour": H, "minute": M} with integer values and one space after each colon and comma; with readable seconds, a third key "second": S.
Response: {"hour": 10, "minute": 20}
